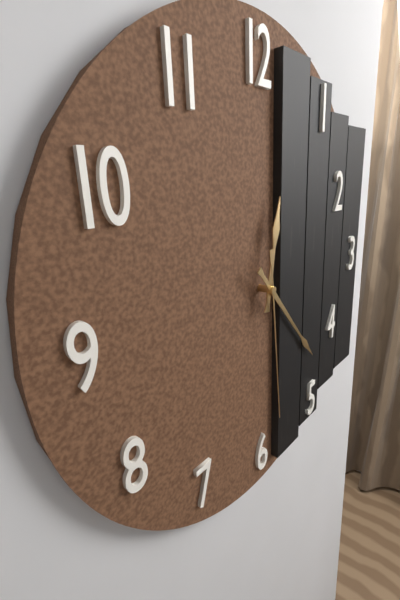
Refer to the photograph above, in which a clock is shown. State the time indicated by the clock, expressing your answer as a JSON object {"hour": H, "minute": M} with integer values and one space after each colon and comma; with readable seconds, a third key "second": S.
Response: {"hour": 12, "minute": 23, "second": 29}
